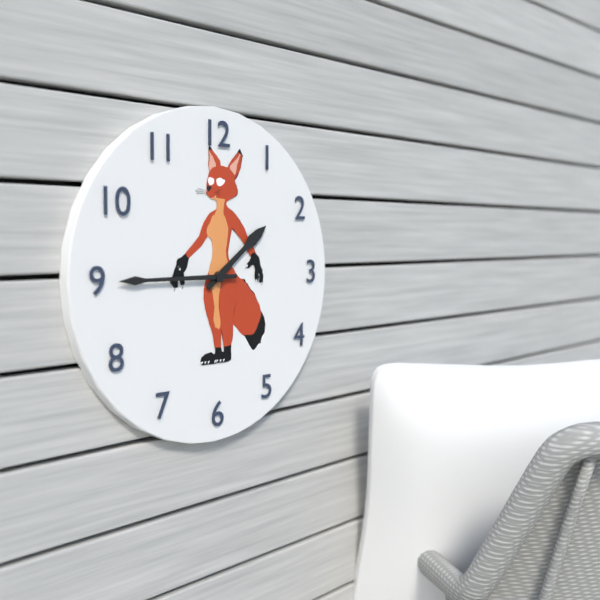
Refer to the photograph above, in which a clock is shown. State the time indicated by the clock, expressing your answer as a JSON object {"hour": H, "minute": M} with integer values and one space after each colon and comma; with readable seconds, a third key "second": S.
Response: {"hour": 1, "minute": 45}
